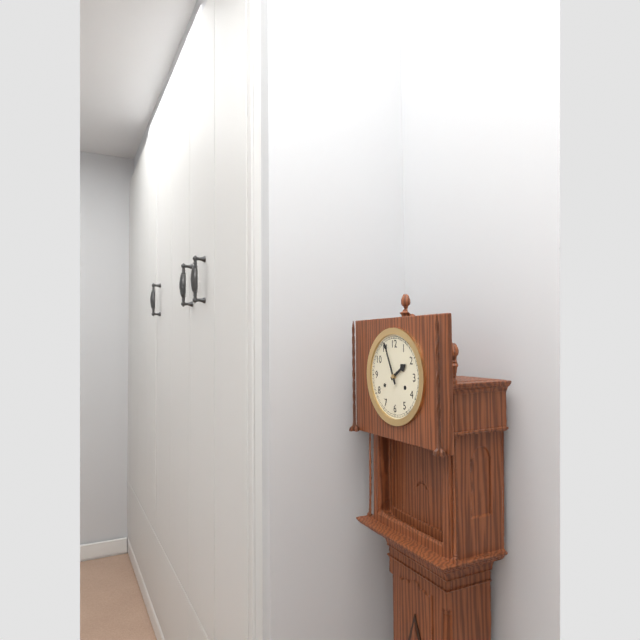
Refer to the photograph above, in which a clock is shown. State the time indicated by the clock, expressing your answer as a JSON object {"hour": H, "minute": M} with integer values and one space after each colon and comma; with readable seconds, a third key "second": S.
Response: {"hour": 1, "minute": 56}
